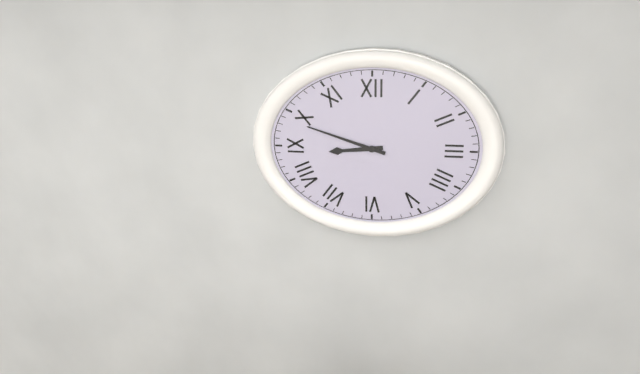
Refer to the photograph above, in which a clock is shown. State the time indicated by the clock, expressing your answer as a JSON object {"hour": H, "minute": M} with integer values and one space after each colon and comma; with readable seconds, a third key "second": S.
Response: {"hour": 8, "minute": 48}
